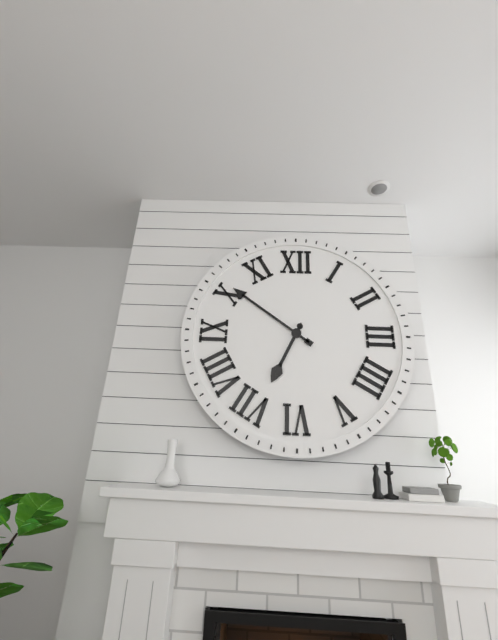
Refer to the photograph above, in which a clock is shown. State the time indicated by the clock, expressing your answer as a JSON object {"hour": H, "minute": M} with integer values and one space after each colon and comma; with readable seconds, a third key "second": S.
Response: {"hour": 6, "minute": 51, "second": 34}
